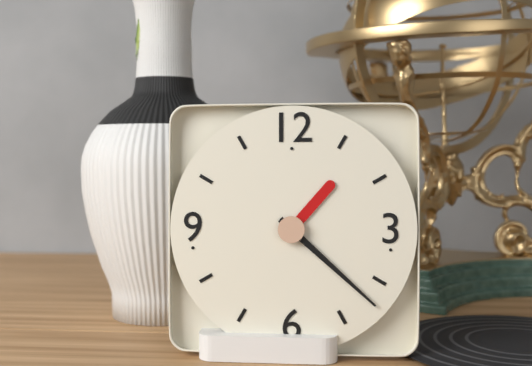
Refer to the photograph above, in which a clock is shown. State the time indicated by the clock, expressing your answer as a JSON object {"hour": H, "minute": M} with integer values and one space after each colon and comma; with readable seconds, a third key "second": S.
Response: {"hour": 1, "minute": 22}
